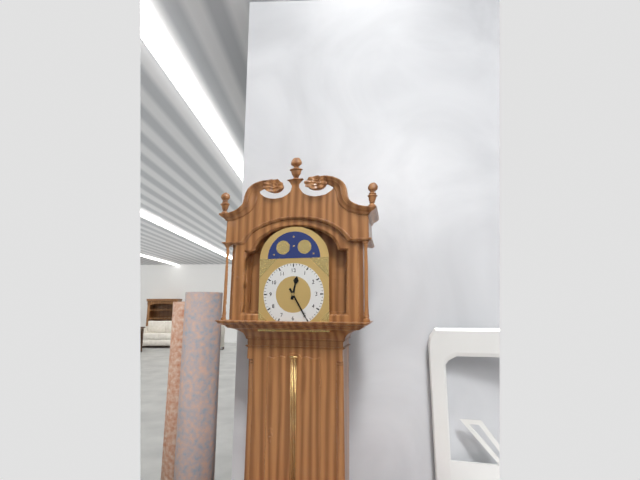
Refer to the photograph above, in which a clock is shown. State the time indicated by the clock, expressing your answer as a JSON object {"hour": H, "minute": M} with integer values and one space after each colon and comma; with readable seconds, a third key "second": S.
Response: {"hour": 12, "minute": 25}
